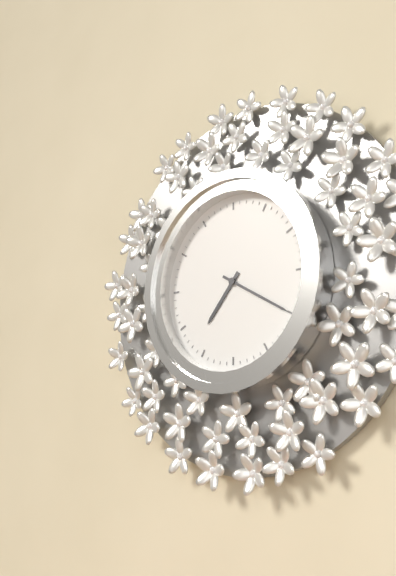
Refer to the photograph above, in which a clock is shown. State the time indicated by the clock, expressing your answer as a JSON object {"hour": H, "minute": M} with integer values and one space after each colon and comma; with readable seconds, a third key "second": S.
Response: {"hour": 7, "minute": 20}
